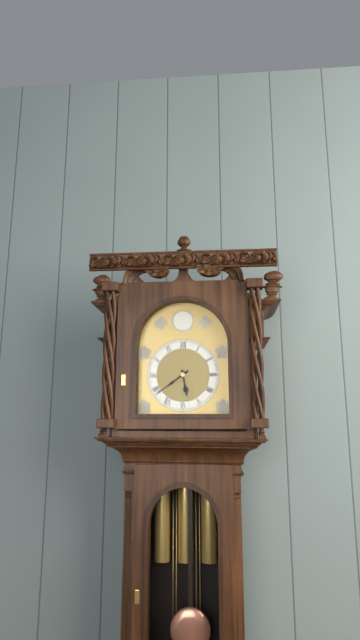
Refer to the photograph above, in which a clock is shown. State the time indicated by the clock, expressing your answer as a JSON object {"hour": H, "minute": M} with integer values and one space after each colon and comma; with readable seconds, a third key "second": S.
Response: {"hour": 5, "minute": 39}
